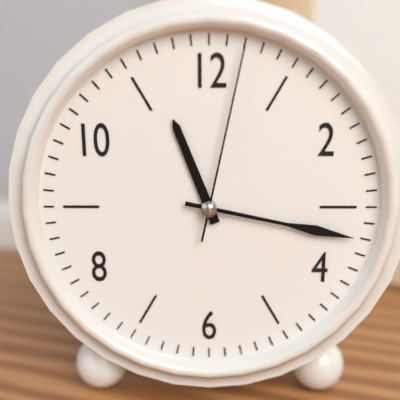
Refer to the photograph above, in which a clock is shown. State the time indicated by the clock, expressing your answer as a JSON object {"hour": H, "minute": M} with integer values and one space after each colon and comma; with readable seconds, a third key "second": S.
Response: {"hour": 11, "minute": 17, "second": 2}
